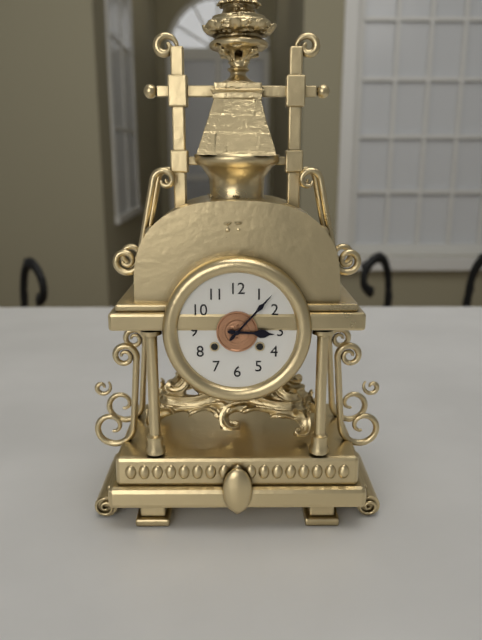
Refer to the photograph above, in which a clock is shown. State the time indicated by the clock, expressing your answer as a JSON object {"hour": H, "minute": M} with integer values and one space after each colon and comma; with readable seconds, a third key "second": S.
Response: {"hour": 3, "minute": 7}
